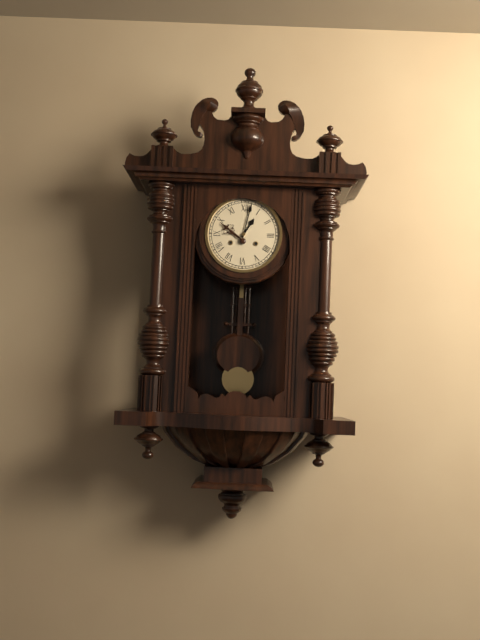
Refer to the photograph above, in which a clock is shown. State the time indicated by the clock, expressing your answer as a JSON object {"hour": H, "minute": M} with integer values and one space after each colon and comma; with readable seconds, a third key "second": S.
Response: {"hour": 1, "minute": 2}
